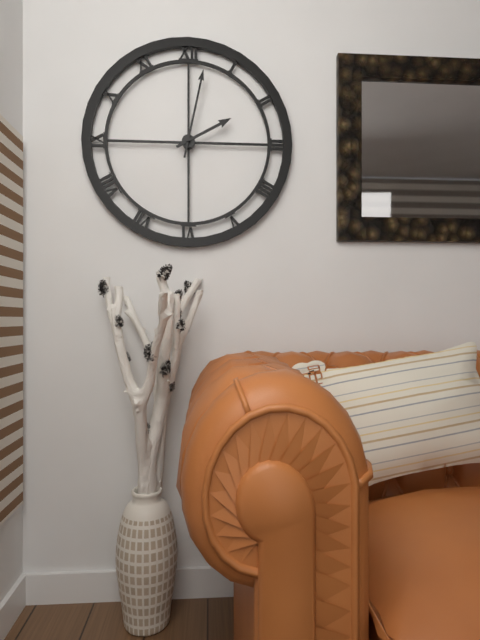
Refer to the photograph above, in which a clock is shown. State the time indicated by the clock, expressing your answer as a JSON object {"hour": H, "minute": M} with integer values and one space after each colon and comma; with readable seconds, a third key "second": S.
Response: {"hour": 2, "minute": 2}
